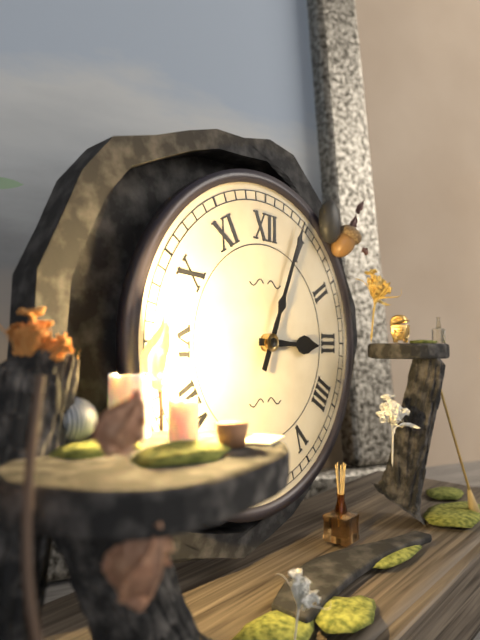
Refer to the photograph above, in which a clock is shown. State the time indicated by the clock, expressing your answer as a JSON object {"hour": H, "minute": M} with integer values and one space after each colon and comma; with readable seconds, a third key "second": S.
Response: {"hour": 3, "minute": 4}
